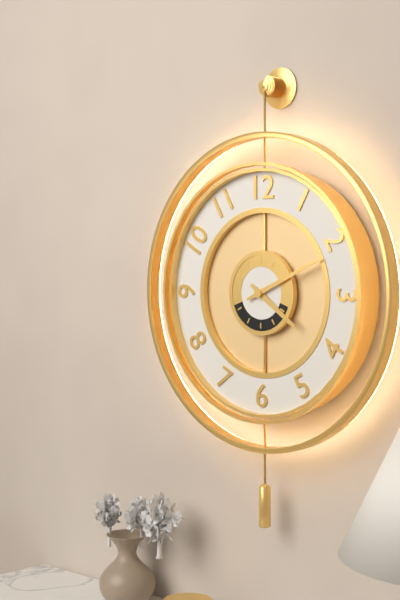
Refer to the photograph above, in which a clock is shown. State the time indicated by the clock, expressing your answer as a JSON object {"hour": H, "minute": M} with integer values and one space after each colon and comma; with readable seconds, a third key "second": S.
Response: {"hour": 4, "minute": 11}
